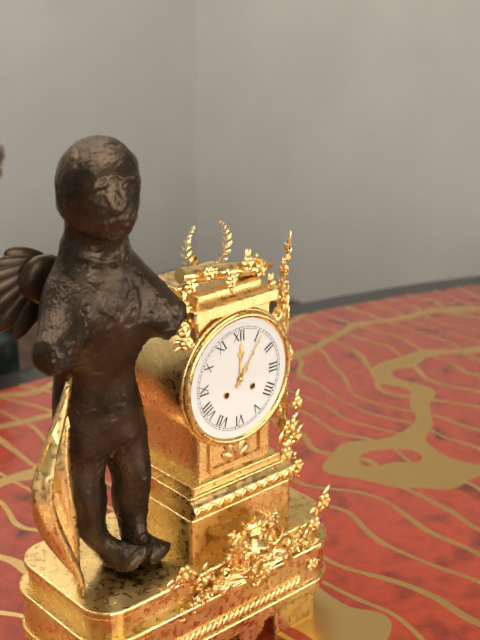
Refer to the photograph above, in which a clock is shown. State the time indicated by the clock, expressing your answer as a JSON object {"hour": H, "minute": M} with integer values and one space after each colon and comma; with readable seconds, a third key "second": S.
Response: {"hour": 12, "minute": 6}
